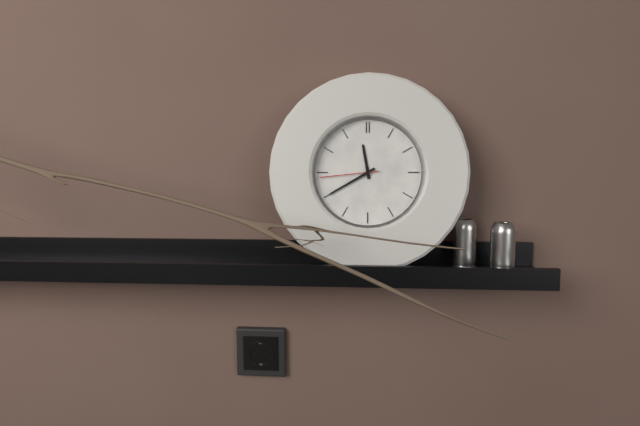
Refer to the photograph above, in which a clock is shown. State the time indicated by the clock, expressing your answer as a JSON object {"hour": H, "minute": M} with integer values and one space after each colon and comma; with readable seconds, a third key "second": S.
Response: {"hour": 11, "minute": 40, "second": 44}
